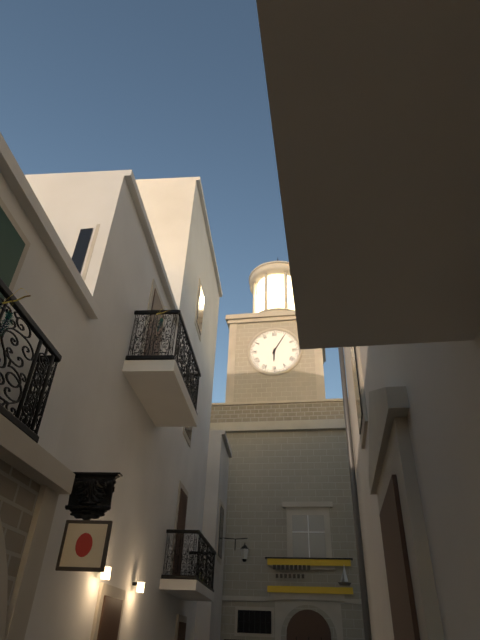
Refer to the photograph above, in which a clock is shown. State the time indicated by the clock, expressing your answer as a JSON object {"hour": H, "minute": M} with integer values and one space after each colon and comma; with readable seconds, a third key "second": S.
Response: {"hour": 6, "minute": 5}
